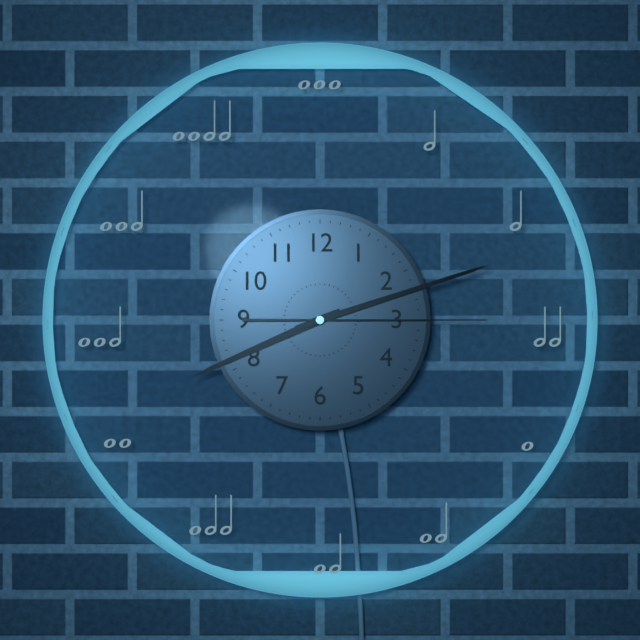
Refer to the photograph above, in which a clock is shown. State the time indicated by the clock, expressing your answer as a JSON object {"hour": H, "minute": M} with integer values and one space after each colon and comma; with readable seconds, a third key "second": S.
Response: {"hour": 8, "minute": 12, "second": 15}
